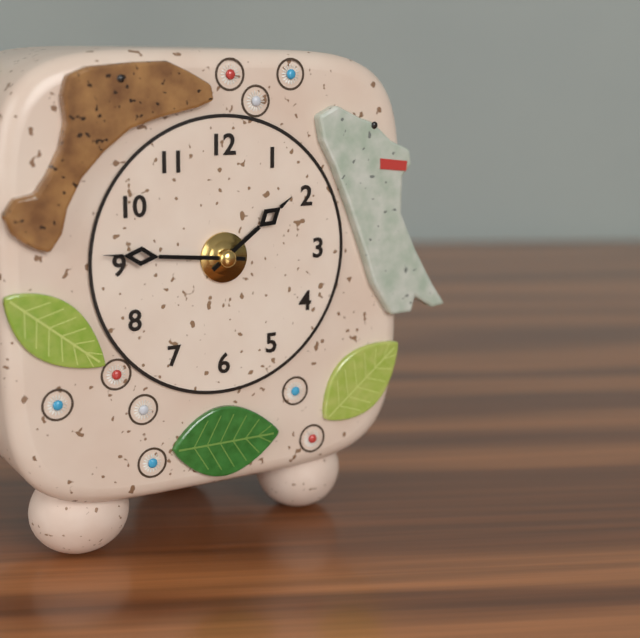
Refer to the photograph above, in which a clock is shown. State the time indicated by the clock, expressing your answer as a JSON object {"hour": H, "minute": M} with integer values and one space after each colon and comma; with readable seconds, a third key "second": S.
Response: {"hour": 1, "minute": 46}
